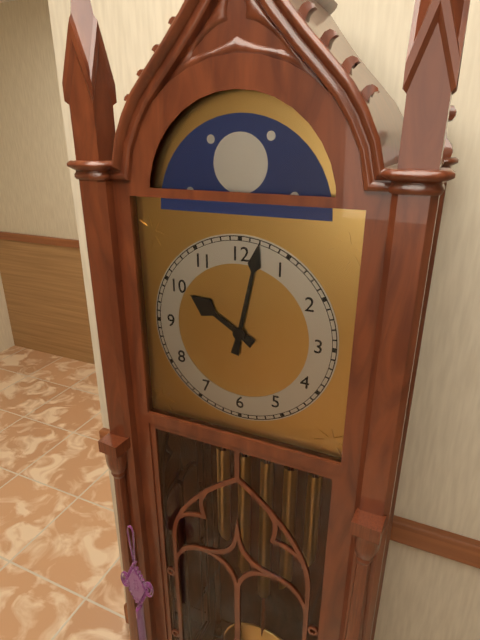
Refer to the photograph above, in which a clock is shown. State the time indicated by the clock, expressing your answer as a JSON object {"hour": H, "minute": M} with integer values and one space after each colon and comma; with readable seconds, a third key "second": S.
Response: {"hour": 10, "minute": 2}
